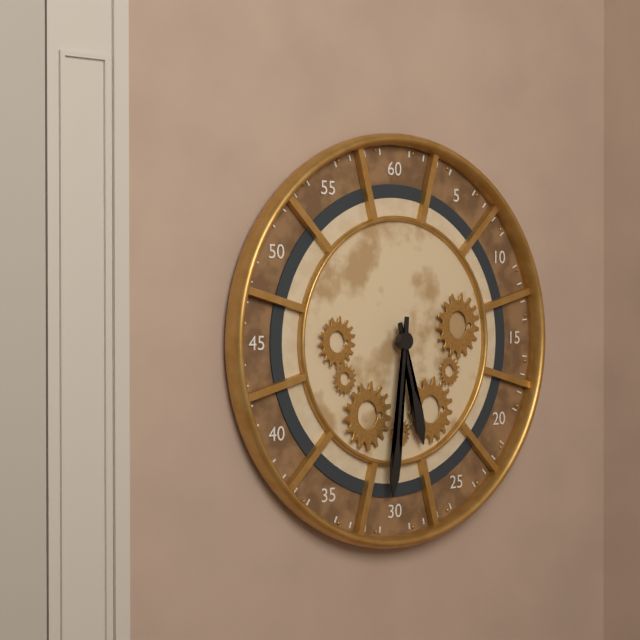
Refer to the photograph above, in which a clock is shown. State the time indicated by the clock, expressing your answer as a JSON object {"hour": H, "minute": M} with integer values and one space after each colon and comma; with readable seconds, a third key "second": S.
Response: {"hour": 5, "minute": 31}
